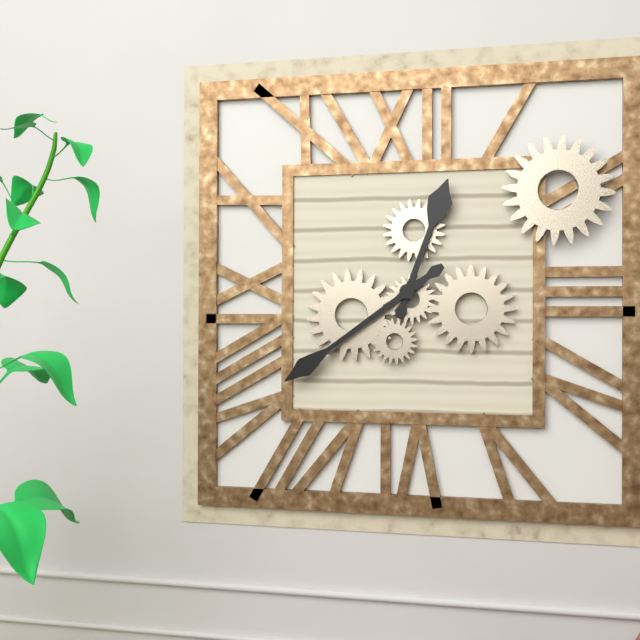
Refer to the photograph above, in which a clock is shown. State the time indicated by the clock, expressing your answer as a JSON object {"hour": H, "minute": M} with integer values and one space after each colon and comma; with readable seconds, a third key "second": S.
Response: {"hour": 12, "minute": 39}
